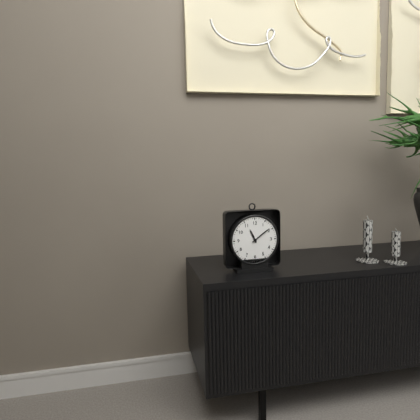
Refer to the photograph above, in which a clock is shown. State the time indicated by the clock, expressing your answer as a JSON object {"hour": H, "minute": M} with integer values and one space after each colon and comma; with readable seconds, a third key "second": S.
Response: {"hour": 11, "minute": 9}
